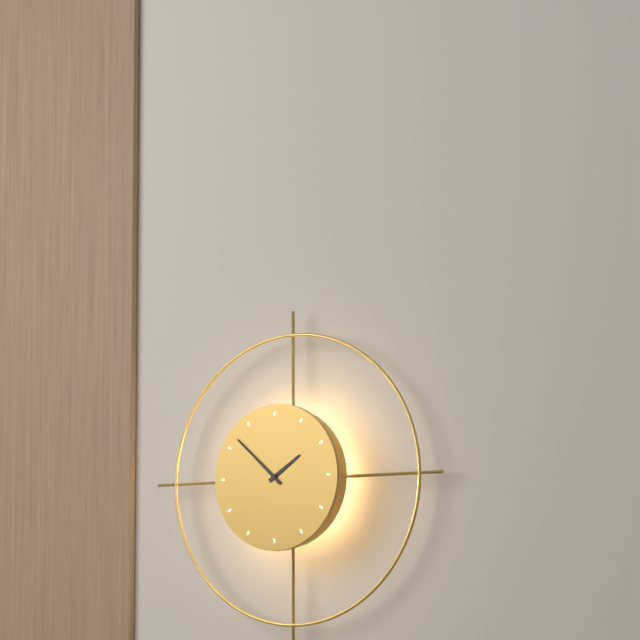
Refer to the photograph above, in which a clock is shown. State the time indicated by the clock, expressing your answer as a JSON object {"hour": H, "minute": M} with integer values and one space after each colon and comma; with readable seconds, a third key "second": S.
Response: {"hour": 1, "minute": 52}
